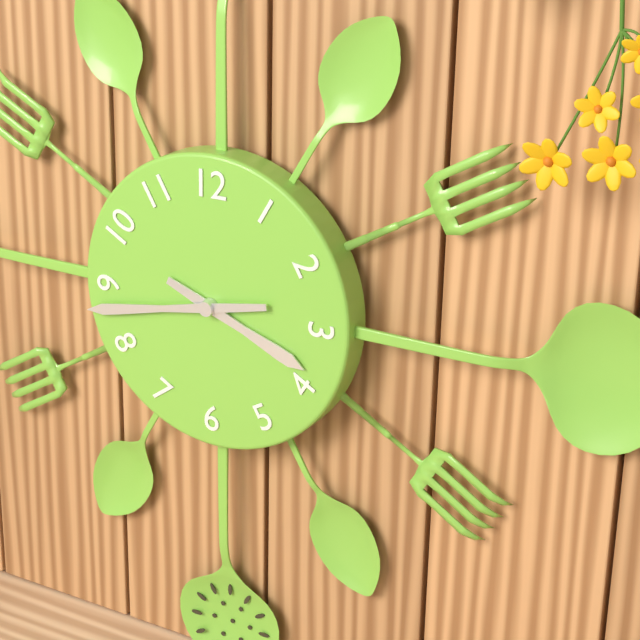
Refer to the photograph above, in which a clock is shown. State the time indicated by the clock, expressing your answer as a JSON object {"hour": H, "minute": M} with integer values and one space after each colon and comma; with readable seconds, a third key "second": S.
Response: {"hour": 3, "minute": 43}
